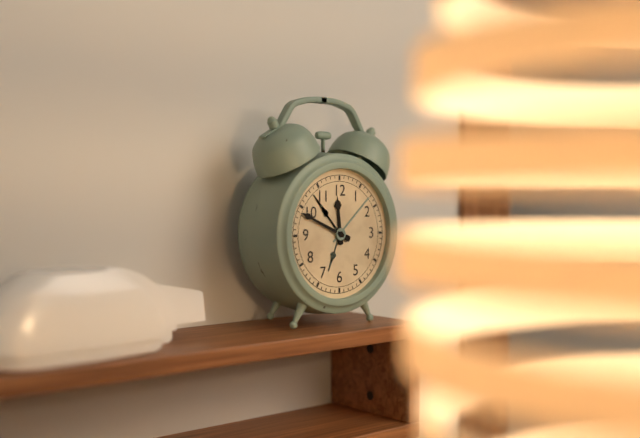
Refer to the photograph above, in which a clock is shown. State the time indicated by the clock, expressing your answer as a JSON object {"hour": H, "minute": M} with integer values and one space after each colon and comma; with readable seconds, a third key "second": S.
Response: {"hour": 11, "minute": 49}
